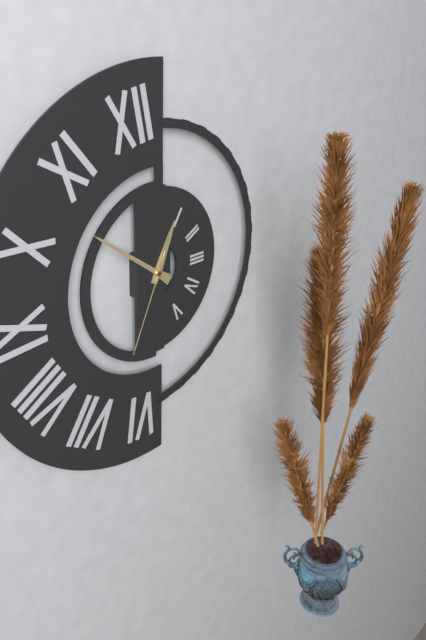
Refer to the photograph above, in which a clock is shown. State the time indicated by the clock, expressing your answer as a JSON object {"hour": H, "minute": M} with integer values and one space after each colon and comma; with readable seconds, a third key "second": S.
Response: {"hour": 12, "minute": 51, "second": 34}
